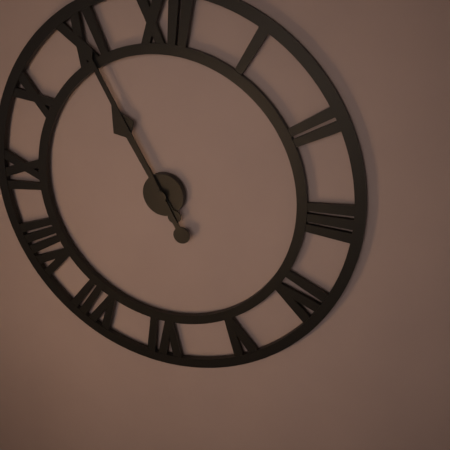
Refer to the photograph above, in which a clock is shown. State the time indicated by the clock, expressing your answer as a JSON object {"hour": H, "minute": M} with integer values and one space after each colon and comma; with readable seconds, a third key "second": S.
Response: {"hour": 10, "minute": 55}
